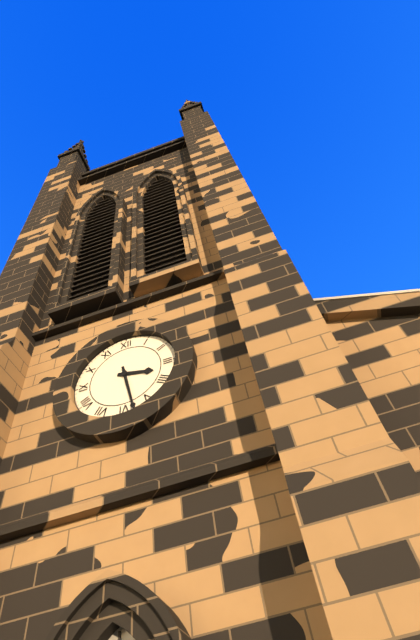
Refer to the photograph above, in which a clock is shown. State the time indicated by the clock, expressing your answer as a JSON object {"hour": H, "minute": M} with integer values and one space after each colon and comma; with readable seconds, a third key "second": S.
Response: {"hour": 3, "minute": 28}
